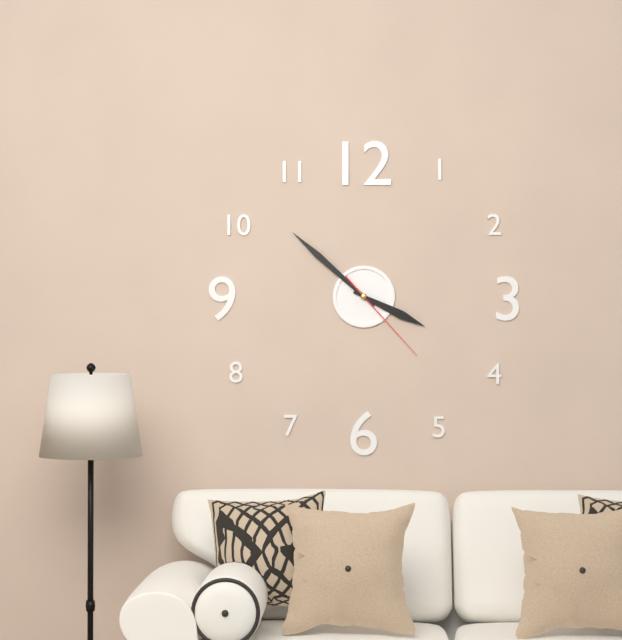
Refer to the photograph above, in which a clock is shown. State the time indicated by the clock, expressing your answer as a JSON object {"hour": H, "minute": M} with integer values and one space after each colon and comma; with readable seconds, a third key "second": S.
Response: {"hour": 3, "minute": 52, "second": 23}
